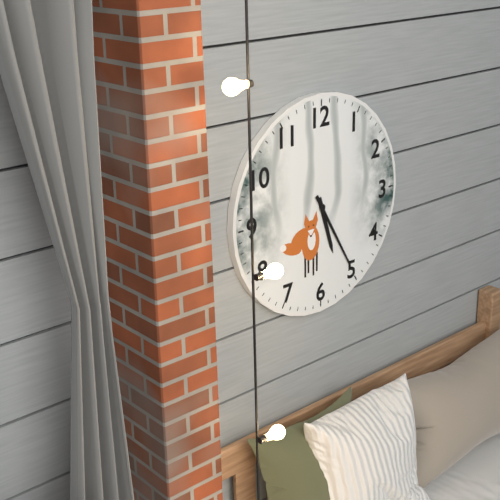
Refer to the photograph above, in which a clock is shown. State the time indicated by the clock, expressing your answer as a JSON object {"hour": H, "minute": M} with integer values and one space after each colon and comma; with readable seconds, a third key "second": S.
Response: {"hour": 5, "minute": 25}
